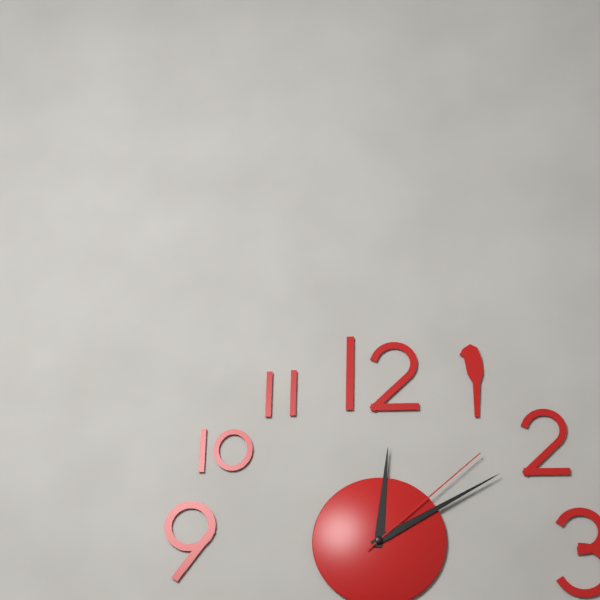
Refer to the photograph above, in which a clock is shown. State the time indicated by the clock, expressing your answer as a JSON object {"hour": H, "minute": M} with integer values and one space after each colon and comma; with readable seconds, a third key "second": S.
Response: {"hour": 12, "minute": 10, "second": 8}
